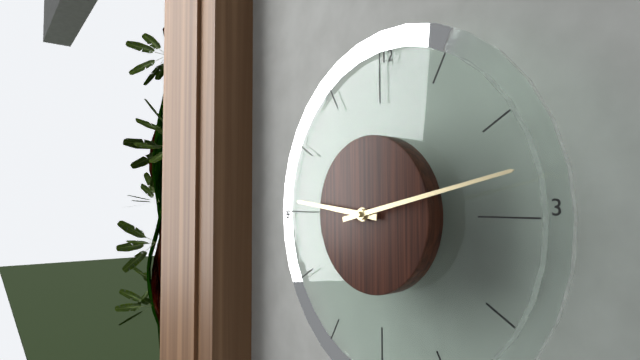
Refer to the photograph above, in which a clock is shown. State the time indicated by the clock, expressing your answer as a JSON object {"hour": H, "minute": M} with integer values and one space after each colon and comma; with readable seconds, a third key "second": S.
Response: {"hour": 9, "minute": 13}
